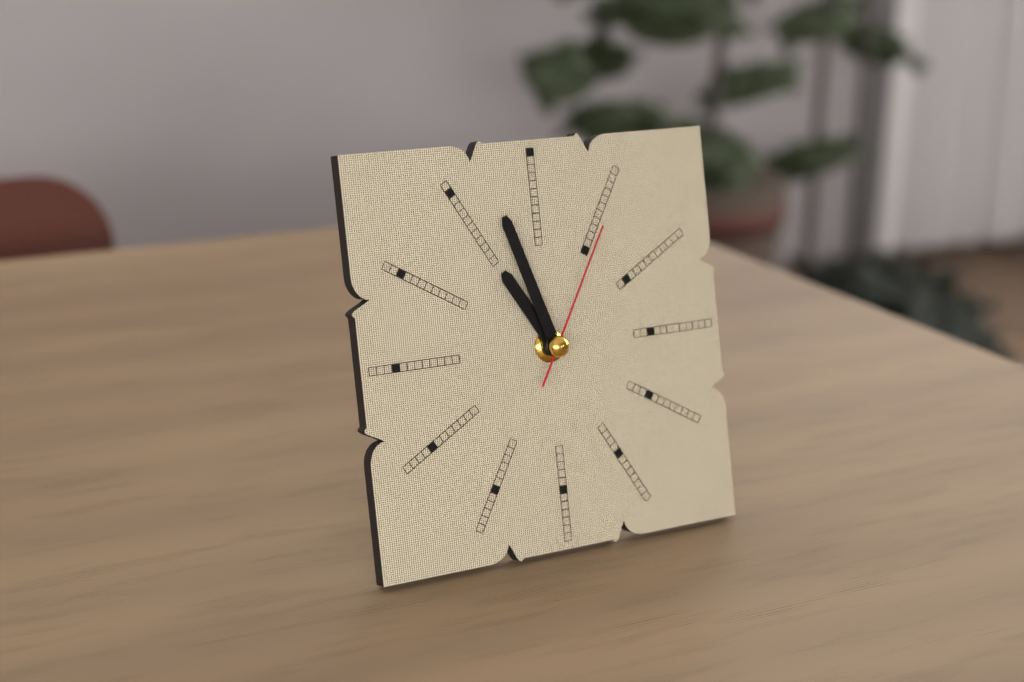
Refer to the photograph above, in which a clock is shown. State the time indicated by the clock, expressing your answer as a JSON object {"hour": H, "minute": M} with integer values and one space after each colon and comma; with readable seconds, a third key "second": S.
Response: {"hour": 10, "minute": 57, "second": 5}
